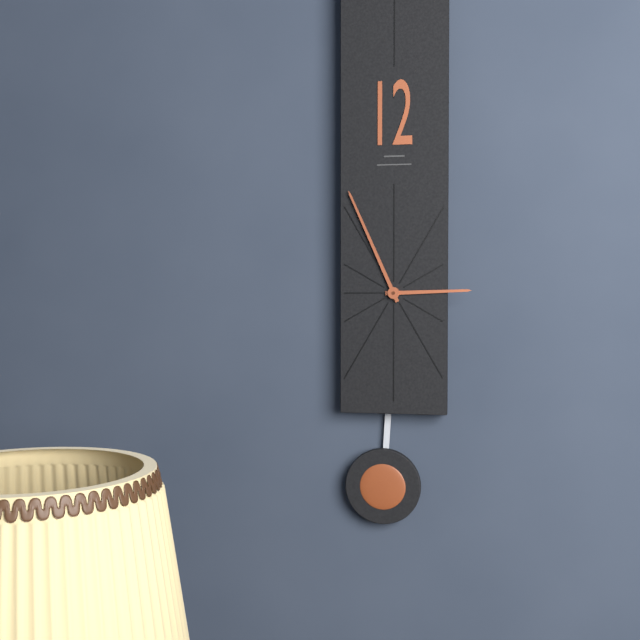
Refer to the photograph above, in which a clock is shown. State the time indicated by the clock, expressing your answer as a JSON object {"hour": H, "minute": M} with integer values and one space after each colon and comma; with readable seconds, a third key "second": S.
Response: {"hour": 2, "minute": 56}
